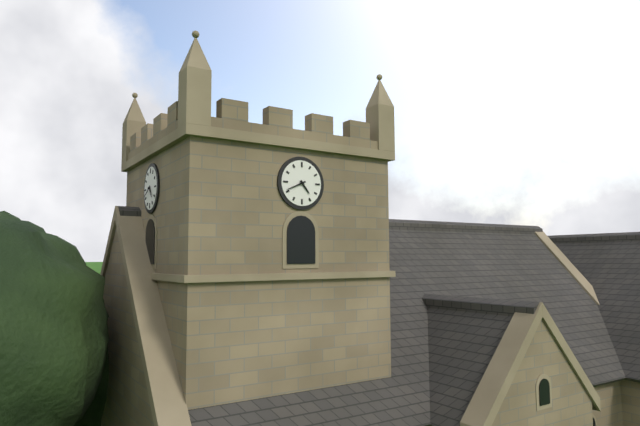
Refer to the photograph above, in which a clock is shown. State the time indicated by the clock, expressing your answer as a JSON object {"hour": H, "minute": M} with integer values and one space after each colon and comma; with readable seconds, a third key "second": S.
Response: {"hour": 4, "minute": 41}
